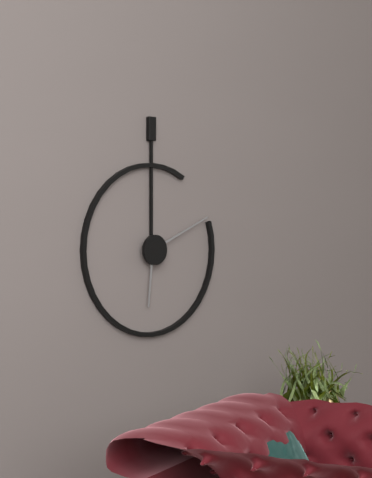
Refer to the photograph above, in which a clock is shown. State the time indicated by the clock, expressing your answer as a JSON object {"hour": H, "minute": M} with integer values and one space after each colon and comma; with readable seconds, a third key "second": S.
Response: {"hour": 6, "minute": 11}
